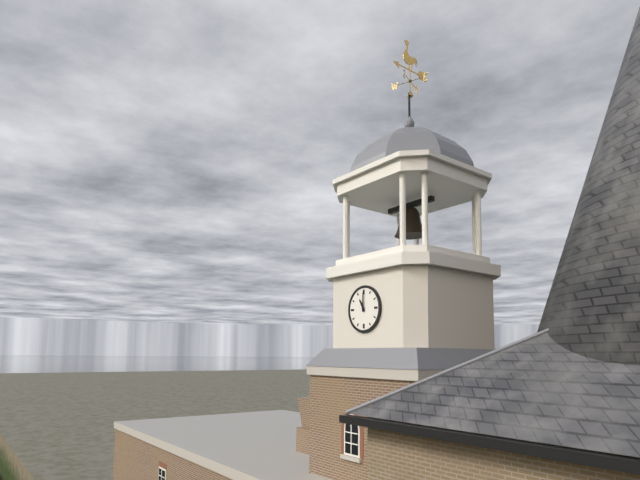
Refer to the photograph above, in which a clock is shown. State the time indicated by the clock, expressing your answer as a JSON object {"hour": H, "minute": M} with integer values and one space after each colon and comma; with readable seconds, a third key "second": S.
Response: {"hour": 11, "minute": 0}
